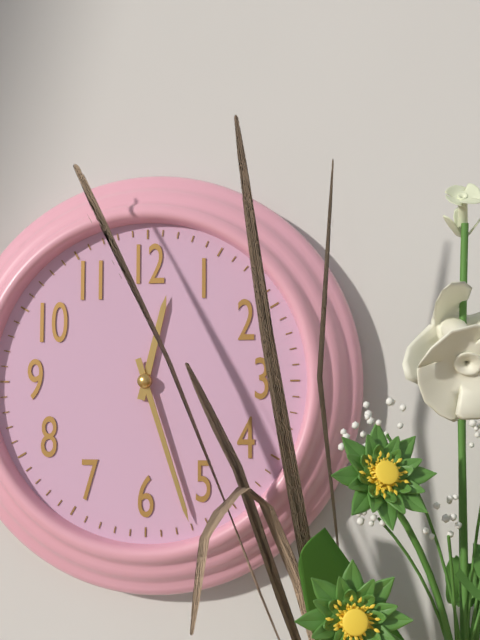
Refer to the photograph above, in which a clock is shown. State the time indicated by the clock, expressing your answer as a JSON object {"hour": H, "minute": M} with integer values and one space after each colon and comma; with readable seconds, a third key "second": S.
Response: {"hour": 12, "minute": 27}
